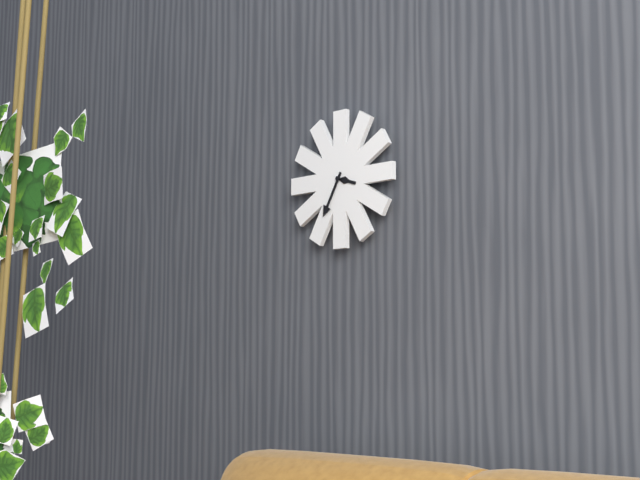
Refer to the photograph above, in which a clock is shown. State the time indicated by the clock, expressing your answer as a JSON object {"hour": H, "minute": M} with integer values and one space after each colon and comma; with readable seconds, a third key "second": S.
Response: {"hour": 3, "minute": 35}
